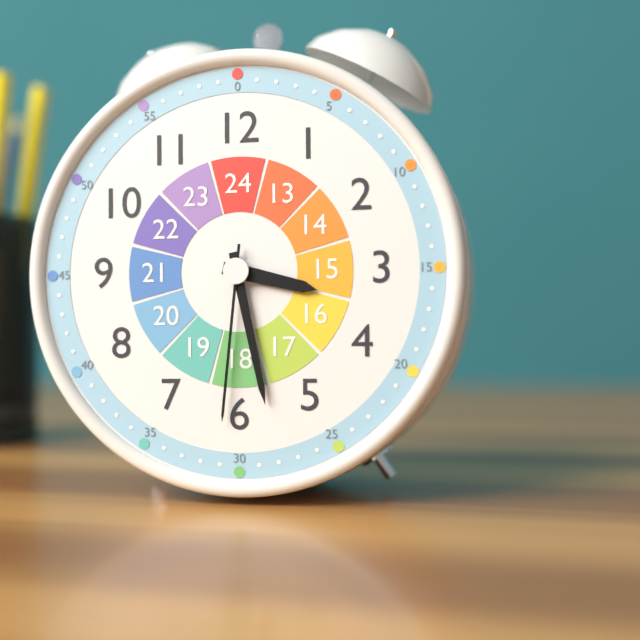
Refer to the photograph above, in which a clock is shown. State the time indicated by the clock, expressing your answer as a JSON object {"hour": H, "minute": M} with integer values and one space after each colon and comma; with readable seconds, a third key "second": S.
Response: {"hour": 3, "minute": 28, "second": 31}
